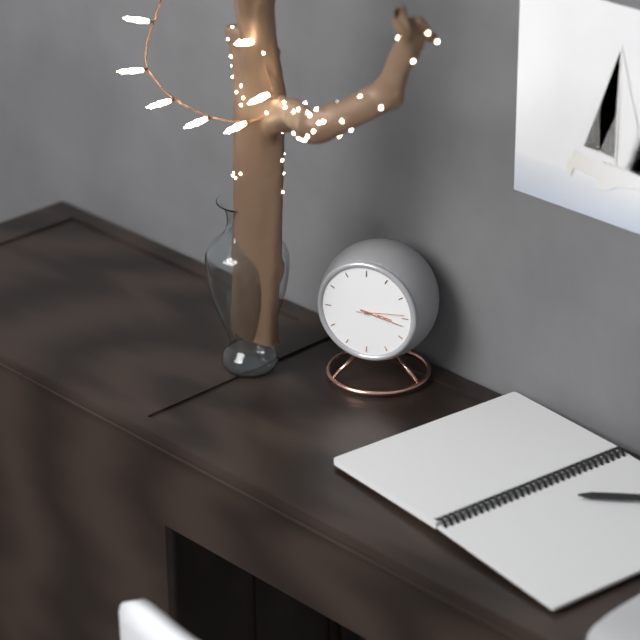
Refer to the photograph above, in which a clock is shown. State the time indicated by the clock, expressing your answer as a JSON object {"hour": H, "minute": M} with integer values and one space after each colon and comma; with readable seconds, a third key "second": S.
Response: {"hour": 3, "minute": 17}
